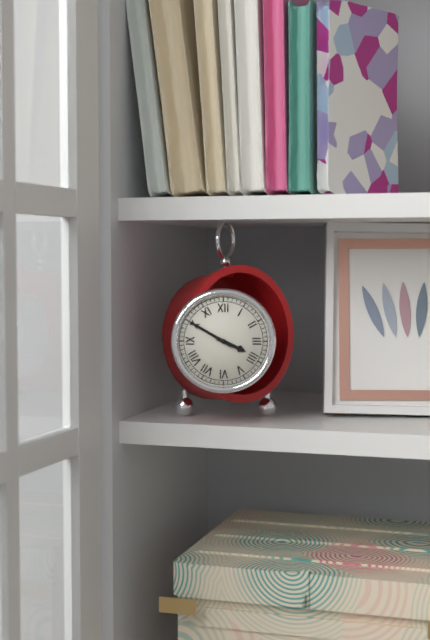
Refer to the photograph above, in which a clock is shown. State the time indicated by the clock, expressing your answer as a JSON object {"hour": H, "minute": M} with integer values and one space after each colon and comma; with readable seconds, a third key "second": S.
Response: {"hour": 3, "minute": 50}
